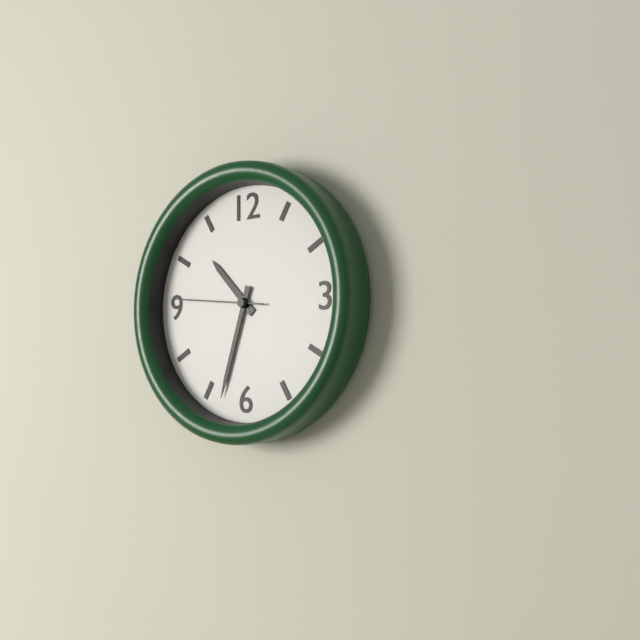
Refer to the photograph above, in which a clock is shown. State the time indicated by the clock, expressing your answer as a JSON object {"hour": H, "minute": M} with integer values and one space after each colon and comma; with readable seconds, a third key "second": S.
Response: {"hour": 10, "minute": 33, "second": 46}
